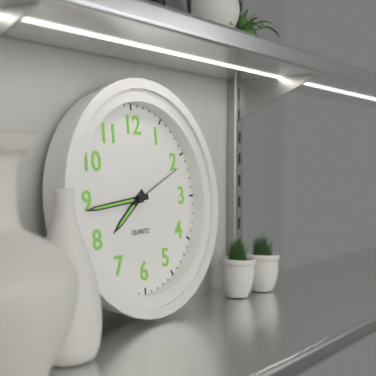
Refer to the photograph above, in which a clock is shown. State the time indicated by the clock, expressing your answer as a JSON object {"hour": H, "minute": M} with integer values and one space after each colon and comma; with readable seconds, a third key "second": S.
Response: {"hour": 7, "minute": 44, "second": 11}
